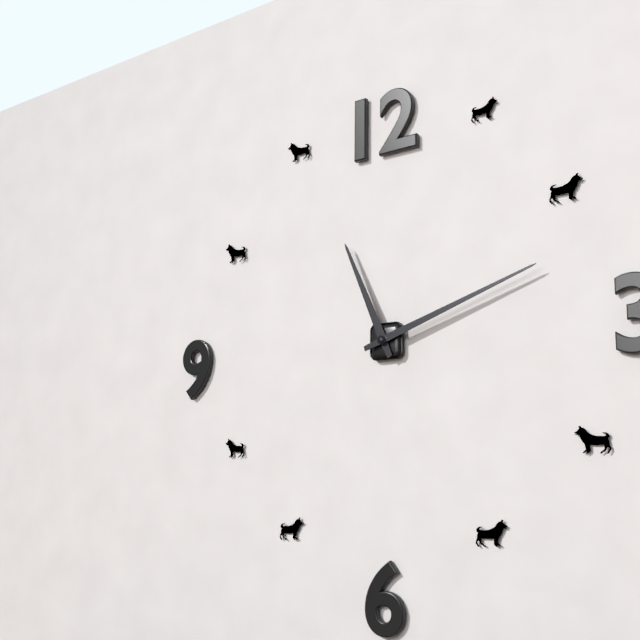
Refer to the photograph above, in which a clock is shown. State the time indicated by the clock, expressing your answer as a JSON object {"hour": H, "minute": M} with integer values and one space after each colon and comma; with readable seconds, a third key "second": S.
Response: {"hour": 11, "minute": 12}
